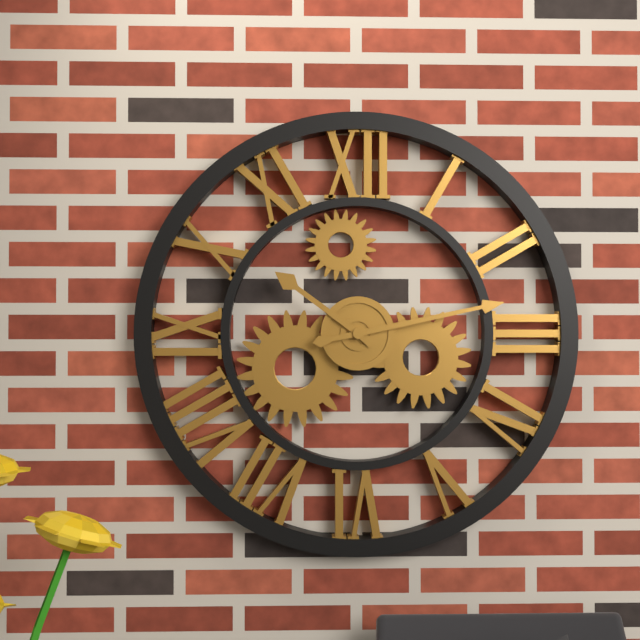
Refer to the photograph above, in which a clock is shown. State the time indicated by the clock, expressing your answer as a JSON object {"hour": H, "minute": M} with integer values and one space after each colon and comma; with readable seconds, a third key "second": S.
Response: {"hour": 10, "minute": 13}
